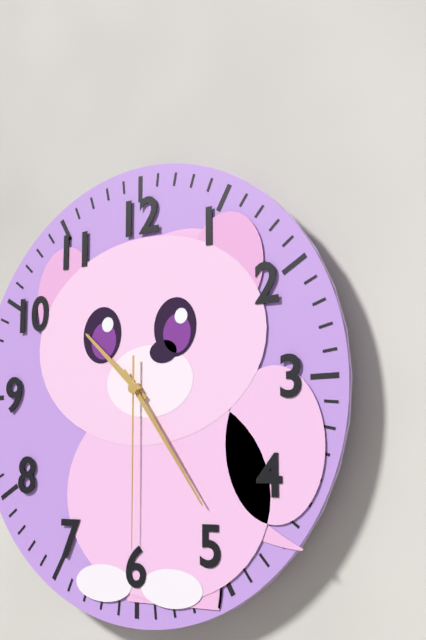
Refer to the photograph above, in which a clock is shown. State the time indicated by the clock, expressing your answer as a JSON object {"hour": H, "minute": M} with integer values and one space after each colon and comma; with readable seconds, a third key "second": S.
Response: {"hour": 10, "minute": 24, "second": 30}
